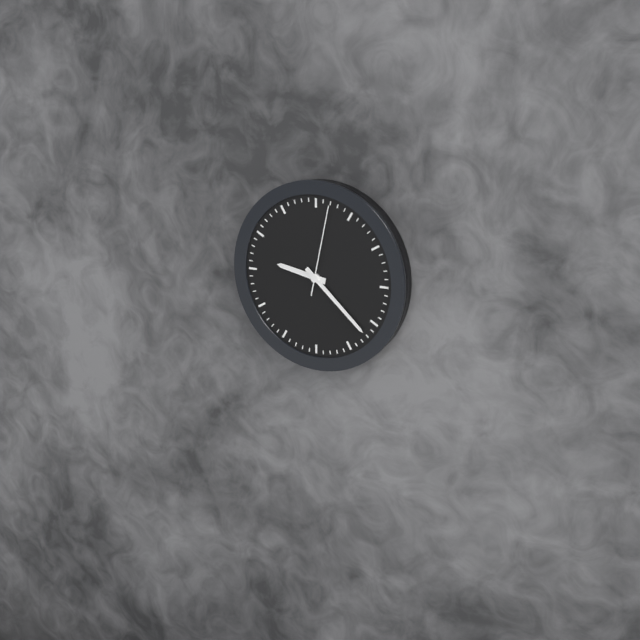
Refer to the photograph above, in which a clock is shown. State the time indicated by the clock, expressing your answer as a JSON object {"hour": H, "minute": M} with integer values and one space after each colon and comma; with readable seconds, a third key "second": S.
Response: {"hour": 9, "minute": 22, "second": 2}
